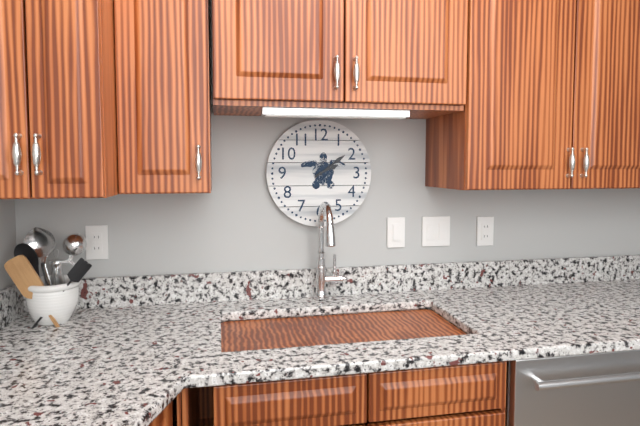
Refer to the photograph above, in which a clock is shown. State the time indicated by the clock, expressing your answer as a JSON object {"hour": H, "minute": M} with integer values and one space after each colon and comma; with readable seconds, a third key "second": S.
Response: {"hour": 2, "minute": 9}
